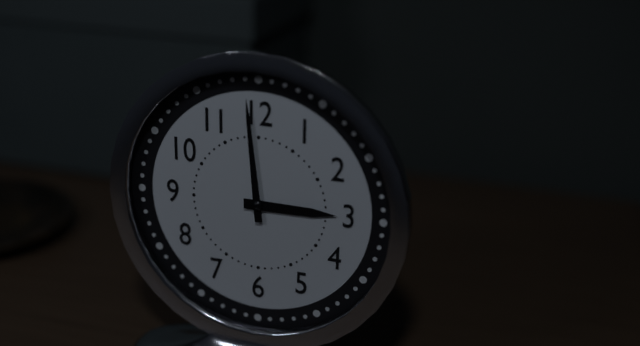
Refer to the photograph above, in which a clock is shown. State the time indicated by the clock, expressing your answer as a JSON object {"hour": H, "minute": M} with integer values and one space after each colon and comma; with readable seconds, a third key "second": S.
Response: {"hour": 2, "minute": 59}
